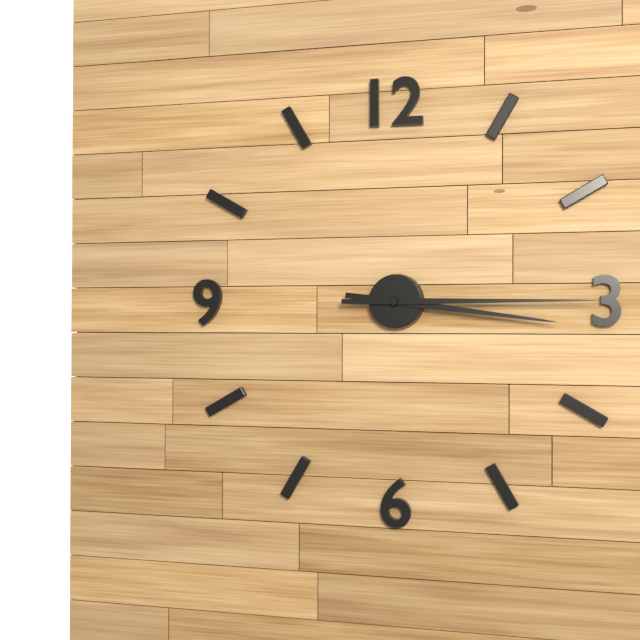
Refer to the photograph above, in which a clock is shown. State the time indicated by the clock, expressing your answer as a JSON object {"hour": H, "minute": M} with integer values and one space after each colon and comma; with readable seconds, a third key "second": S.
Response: {"hour": 3, "minute": 15}
